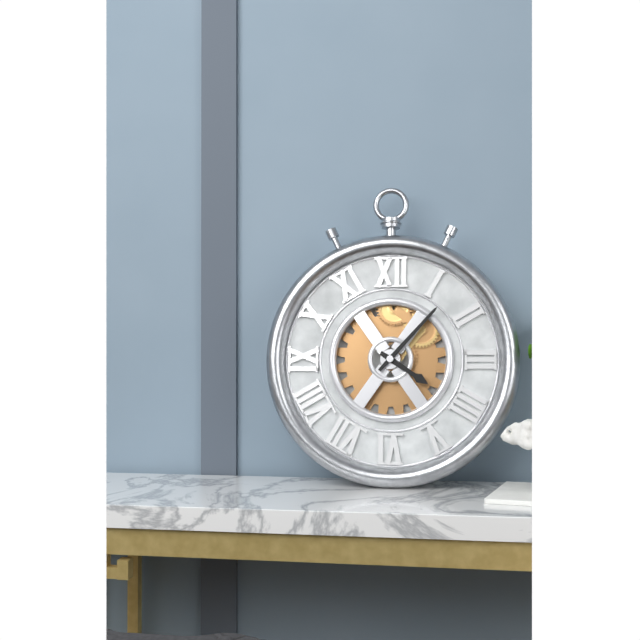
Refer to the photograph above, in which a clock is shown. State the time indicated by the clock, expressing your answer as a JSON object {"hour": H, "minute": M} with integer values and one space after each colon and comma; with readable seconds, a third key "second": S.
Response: {"hour": 4, "minute": 7}
